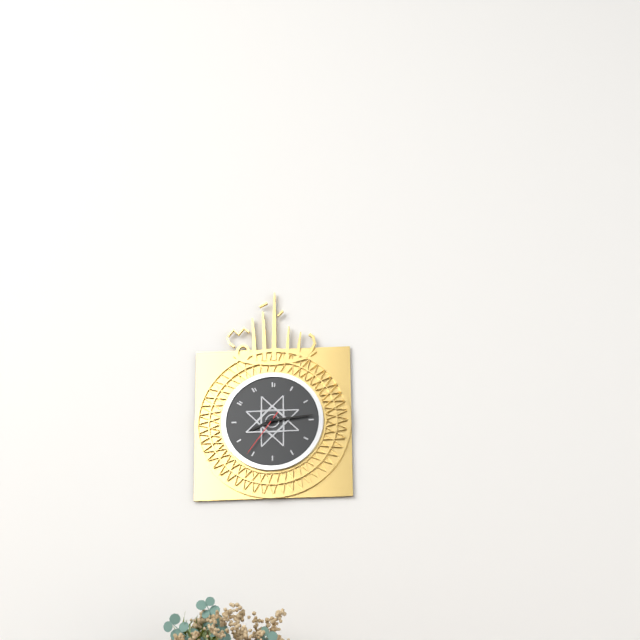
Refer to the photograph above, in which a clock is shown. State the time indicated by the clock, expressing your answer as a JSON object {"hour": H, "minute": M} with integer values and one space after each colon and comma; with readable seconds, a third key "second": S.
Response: {"hour": 8, "minute": 14, "second": 36}
